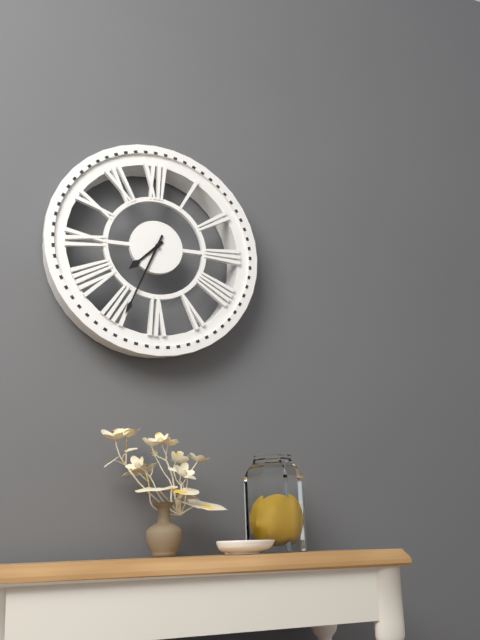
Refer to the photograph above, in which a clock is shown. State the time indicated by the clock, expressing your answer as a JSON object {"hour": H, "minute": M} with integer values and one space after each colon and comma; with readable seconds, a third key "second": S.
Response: {"hour": 7, "minute": 34}
